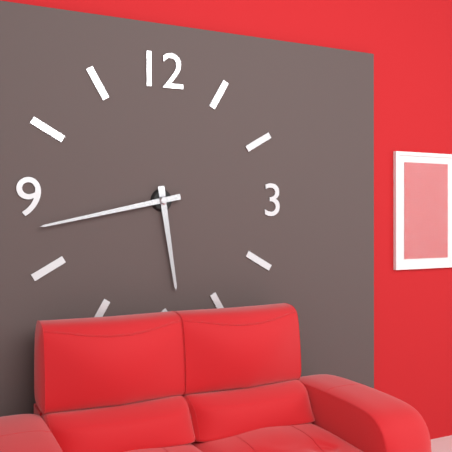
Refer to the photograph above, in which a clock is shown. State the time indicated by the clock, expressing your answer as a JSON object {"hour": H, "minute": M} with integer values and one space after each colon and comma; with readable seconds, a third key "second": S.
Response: {"hour": 5, "minute": 43}
